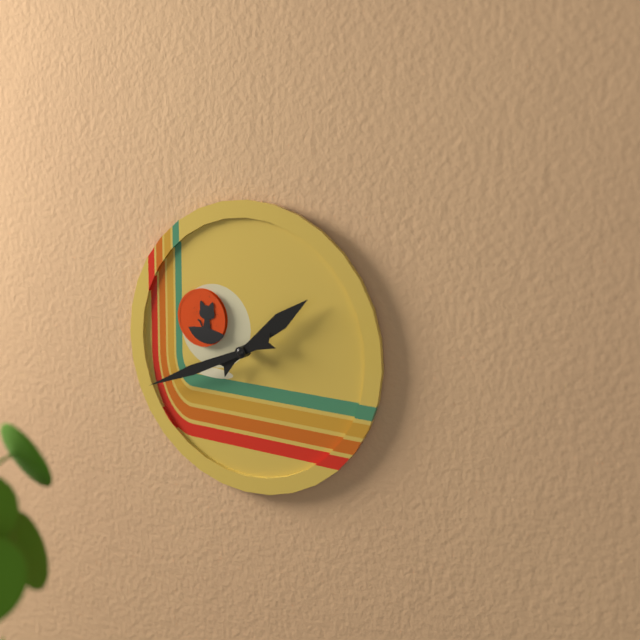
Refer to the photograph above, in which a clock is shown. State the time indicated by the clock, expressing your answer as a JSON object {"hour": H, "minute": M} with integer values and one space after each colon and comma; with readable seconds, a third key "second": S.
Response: {"hour": 1, "minute": 41}
